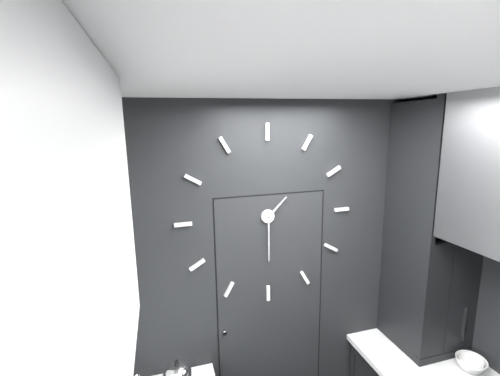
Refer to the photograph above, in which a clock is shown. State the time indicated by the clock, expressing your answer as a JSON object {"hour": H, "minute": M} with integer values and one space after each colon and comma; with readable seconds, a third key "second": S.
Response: {"hour": 1, "minute": 30}
